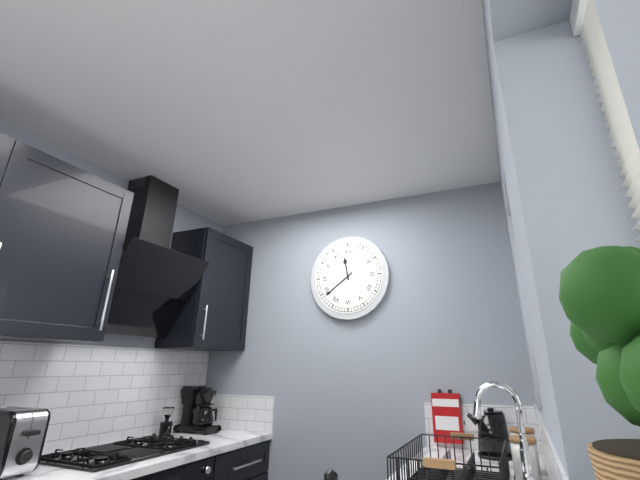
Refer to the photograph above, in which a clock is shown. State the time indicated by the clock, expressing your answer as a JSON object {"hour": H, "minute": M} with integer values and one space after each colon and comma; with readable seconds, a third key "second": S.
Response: {"hour": 11, "minute": 39}
